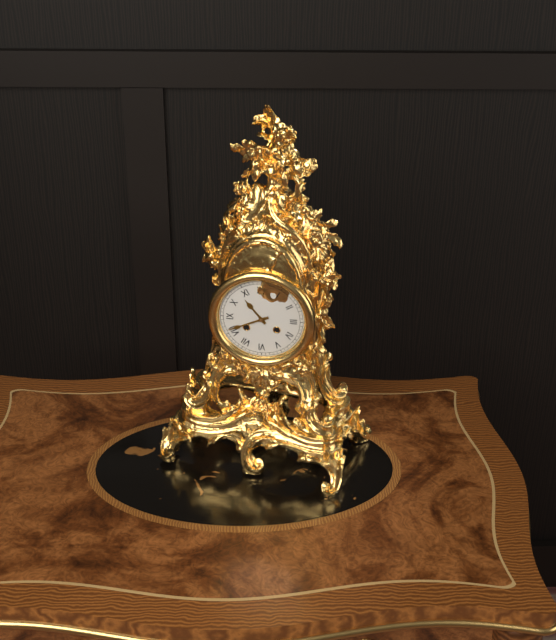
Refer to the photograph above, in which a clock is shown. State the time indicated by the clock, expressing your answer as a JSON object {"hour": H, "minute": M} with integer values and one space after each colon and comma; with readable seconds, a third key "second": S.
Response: {"hour": 10, "minute": 41}
